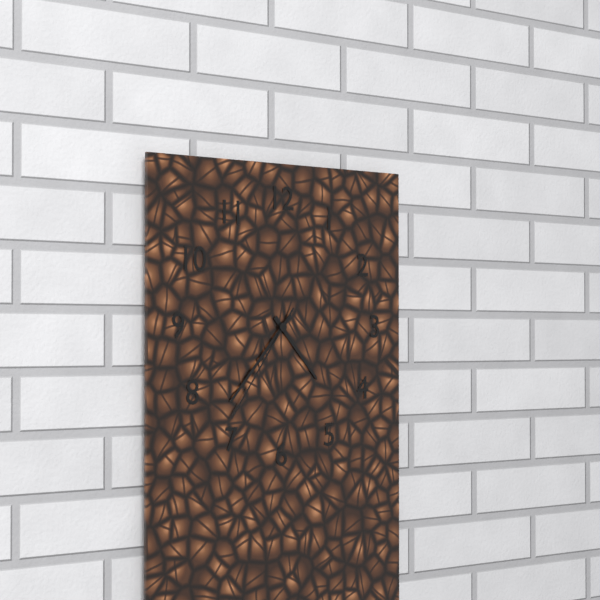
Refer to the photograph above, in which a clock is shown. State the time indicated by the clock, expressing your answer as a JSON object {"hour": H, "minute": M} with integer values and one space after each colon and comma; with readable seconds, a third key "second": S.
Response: {"hour": 4, "minute": 37, "second": 36}
